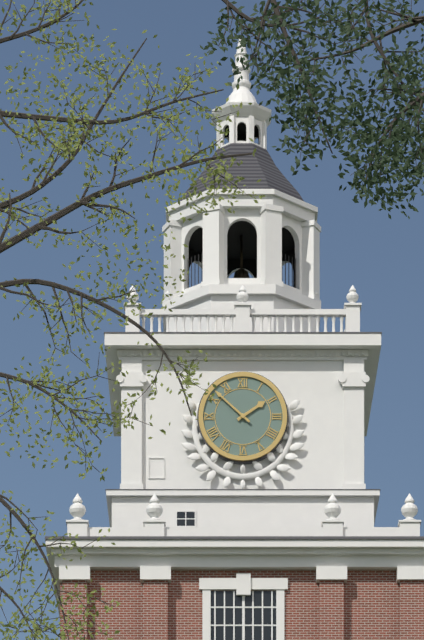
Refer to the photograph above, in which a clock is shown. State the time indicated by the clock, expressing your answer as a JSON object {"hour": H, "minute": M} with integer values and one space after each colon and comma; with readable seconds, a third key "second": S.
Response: {"hour": 1, "minute": 52}
